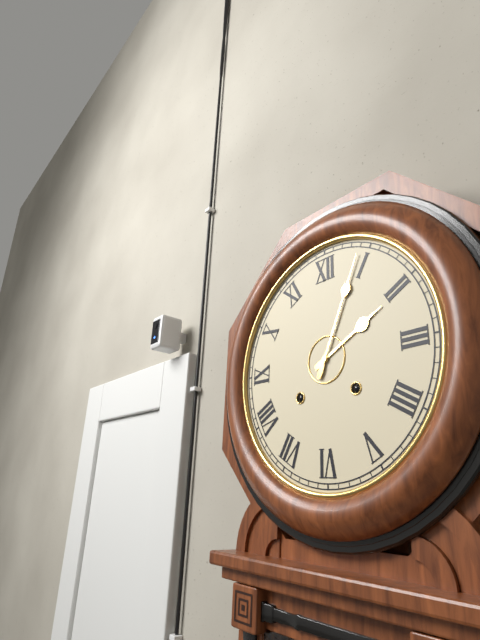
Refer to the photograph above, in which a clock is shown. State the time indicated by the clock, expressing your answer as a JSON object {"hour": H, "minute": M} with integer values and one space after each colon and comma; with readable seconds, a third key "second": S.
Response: {"hour": 2, "minute": 4}
